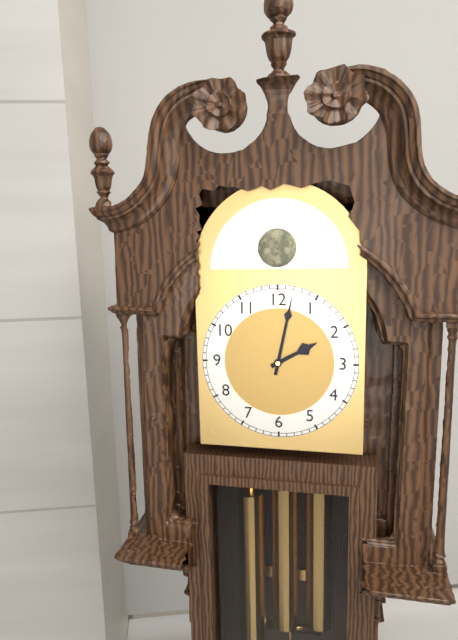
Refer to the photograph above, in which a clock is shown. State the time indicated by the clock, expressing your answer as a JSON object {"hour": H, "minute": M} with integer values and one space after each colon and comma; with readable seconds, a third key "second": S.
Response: {"hour": 2, "minute": 2}
